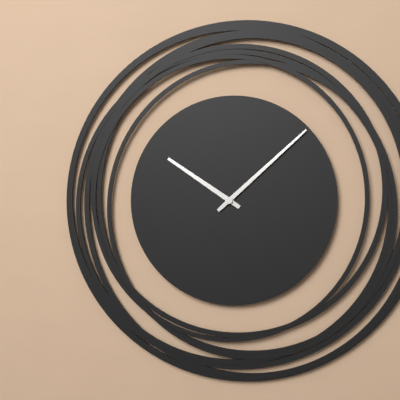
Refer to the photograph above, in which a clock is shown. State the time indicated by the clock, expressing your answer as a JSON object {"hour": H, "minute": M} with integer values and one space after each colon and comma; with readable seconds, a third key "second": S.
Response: {"hour": 10, "minute": 8}
